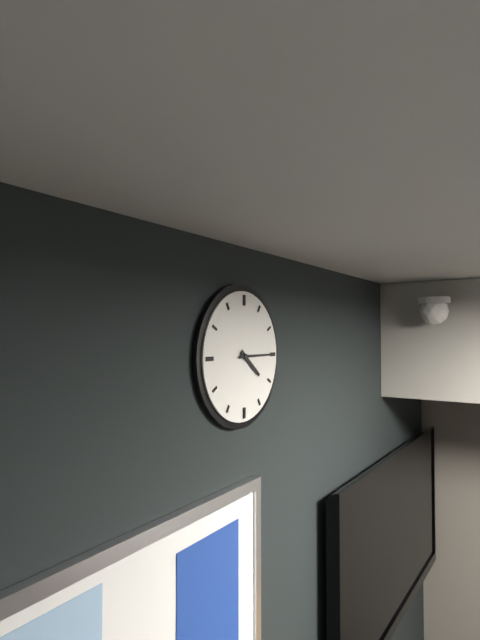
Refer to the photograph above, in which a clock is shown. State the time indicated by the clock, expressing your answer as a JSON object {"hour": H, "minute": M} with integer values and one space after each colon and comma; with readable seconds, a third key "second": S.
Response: {"hour": 4, "minute": 15}
